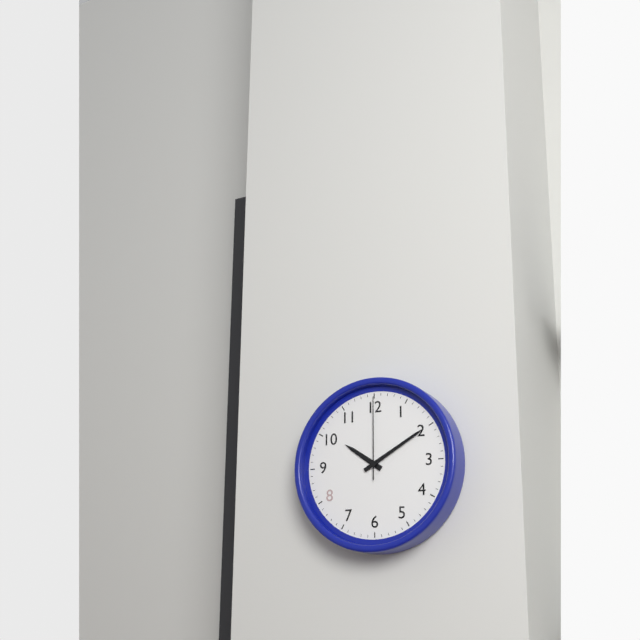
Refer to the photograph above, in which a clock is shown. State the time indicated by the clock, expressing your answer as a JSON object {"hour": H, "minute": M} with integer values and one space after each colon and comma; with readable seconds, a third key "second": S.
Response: {"hour": 10, "minute": 10, "second": 0}
